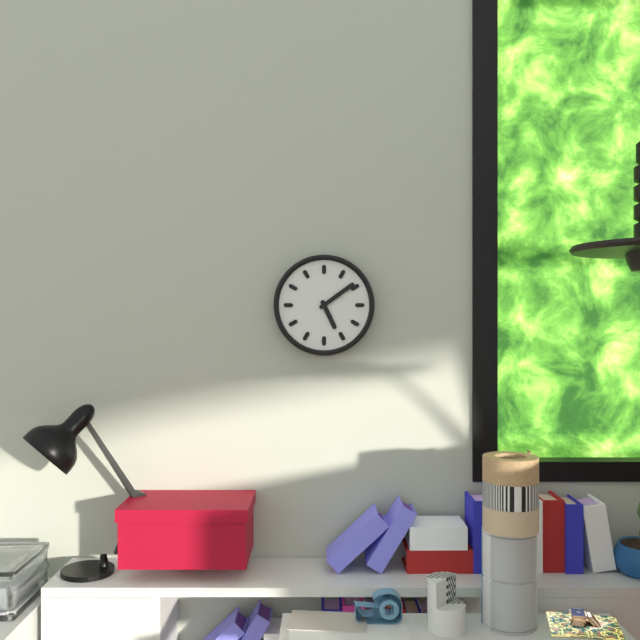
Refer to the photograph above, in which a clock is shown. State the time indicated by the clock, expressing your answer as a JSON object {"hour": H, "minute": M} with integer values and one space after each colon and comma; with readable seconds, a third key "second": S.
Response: {"hour": 5, "minute": 9}
